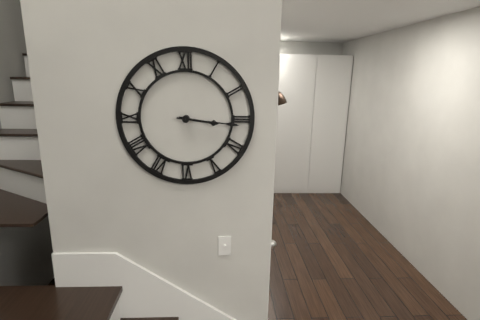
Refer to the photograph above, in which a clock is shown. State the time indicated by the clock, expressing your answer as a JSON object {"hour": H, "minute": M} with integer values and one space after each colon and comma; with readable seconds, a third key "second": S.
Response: {"hour": 3, "minute": 16}
